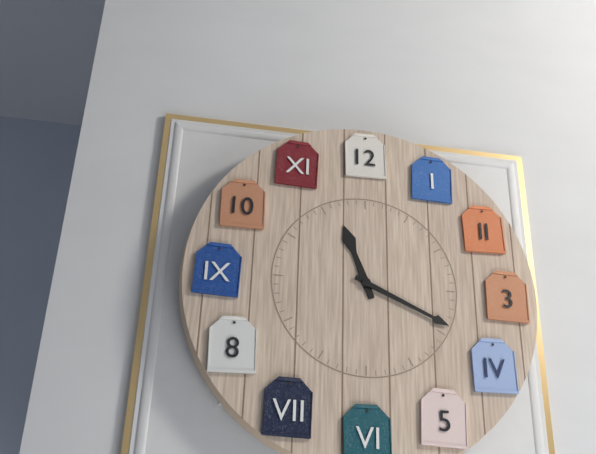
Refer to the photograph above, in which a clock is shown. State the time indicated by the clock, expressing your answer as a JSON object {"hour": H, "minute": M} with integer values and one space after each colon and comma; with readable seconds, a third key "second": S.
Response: {"hour": 11, "minute": 19}
